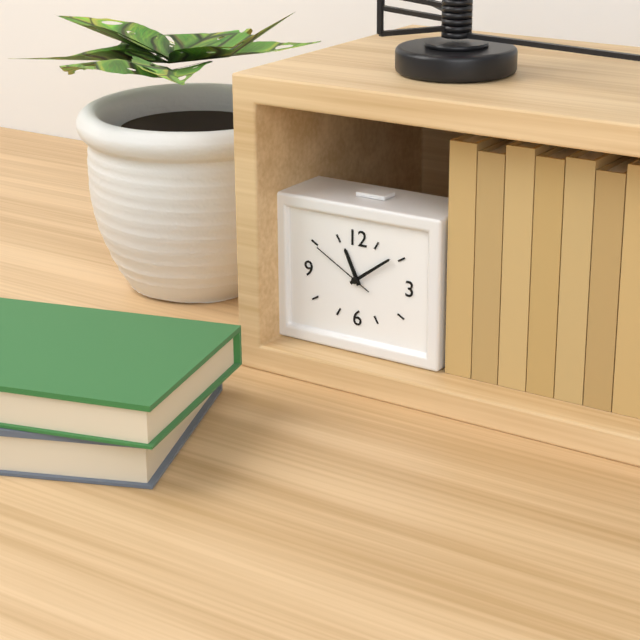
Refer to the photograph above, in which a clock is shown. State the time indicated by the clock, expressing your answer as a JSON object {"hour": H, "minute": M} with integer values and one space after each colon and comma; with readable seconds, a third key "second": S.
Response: {"hour": 11, "minute": 9, "second": 50}
